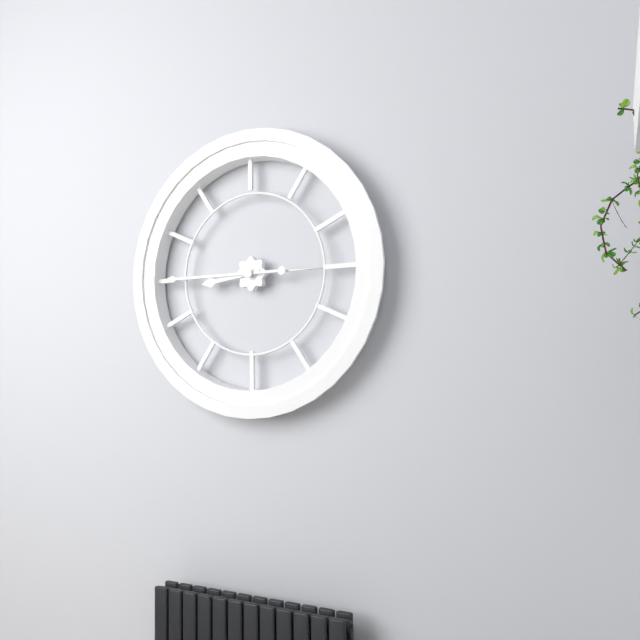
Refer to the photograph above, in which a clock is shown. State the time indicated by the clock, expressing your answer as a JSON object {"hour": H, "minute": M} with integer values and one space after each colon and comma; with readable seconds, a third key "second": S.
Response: {"hour": 8, "minute": 45}
